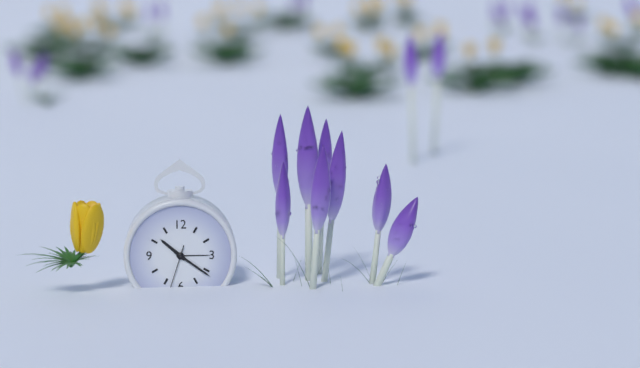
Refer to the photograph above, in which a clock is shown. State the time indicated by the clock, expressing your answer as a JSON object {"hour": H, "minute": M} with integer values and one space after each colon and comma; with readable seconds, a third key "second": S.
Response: {"hour": 10, "minute": 21}
